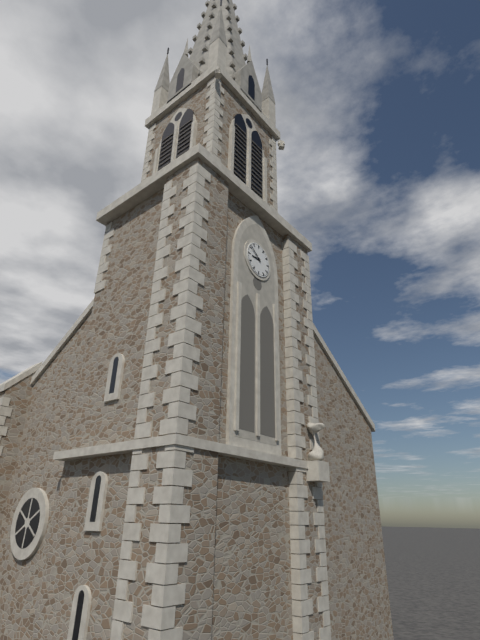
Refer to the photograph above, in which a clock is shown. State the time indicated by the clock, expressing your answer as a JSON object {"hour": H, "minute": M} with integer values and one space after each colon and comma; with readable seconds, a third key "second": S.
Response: {"hour": 8, "minute": 51}
